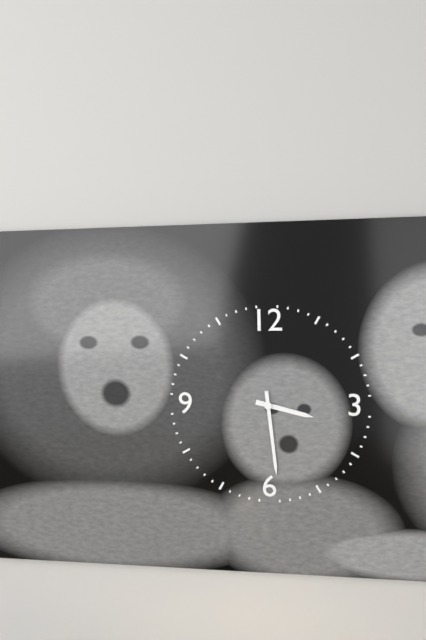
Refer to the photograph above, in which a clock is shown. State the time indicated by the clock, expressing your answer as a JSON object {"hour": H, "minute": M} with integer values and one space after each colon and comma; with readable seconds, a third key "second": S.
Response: {"hour": 3, "minute": 29}
